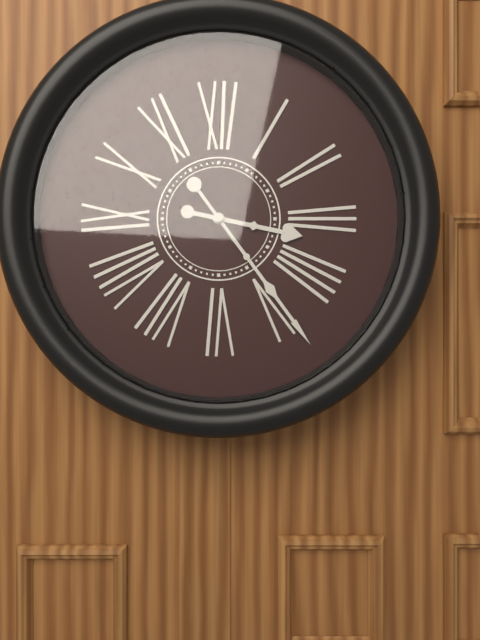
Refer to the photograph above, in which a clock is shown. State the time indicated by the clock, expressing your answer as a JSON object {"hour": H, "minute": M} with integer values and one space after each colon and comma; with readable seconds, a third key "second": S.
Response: {"hour": 3, "minute": 24}
